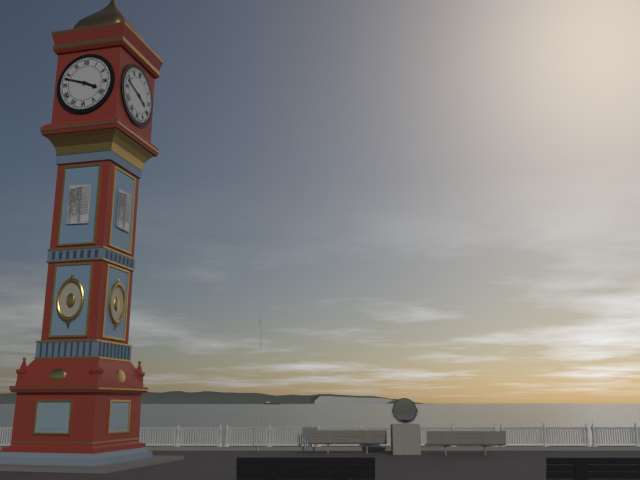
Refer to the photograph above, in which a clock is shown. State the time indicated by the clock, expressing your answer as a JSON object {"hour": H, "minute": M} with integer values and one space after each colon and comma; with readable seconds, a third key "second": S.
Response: {"hour": 3, "minute": 48}
